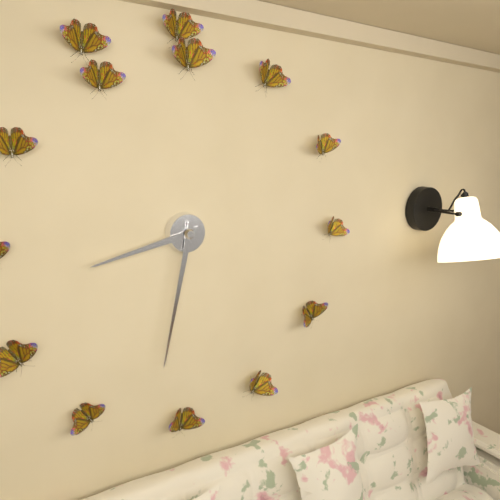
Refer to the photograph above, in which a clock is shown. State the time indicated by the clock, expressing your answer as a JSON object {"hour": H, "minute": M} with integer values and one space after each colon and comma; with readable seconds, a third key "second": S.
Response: {"hour": 8, "minute": 32}
